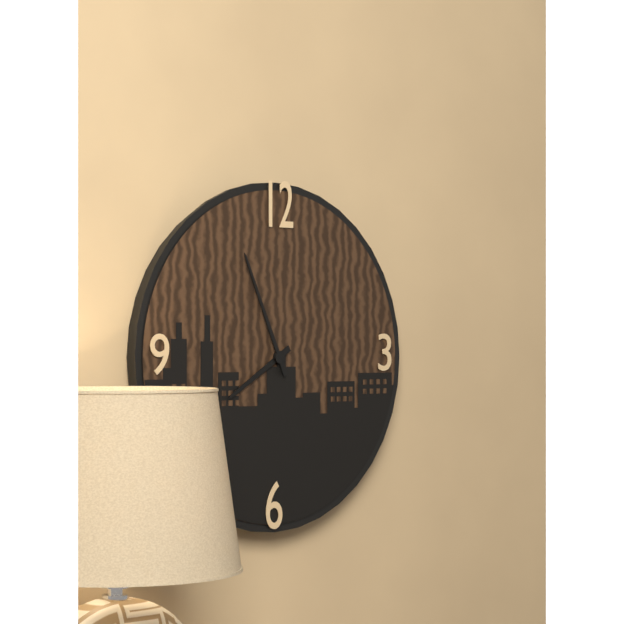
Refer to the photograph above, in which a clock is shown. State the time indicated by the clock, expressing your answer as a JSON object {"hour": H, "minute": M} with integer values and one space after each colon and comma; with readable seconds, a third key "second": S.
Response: {"hour": 7, "minute": 56}
